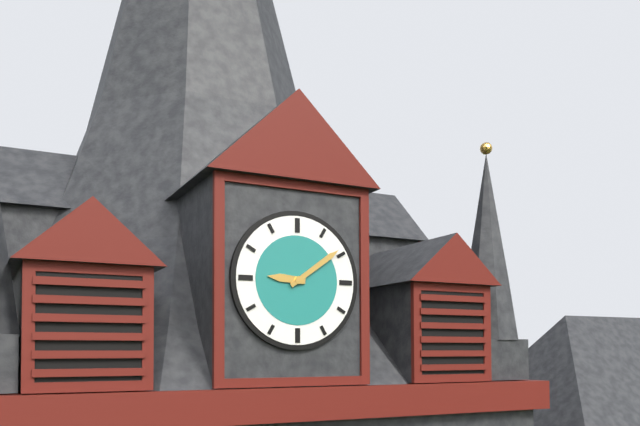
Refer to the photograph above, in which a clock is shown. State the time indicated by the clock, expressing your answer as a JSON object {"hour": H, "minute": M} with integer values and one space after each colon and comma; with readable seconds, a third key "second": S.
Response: {"hour": 9, "minute": 9}
